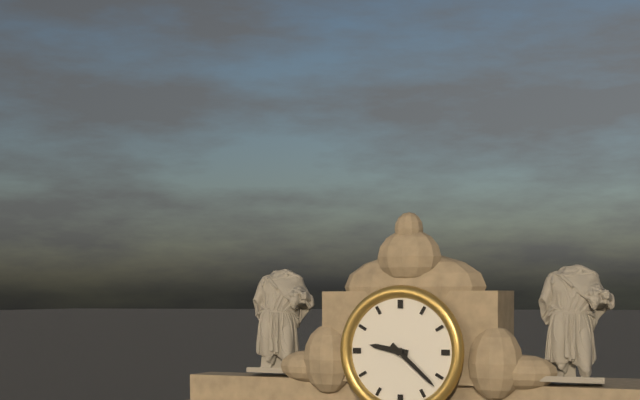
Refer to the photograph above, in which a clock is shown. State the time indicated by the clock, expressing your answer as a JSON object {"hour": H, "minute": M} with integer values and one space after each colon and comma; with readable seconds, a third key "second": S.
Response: {"hour": 9, "minute": 22}
